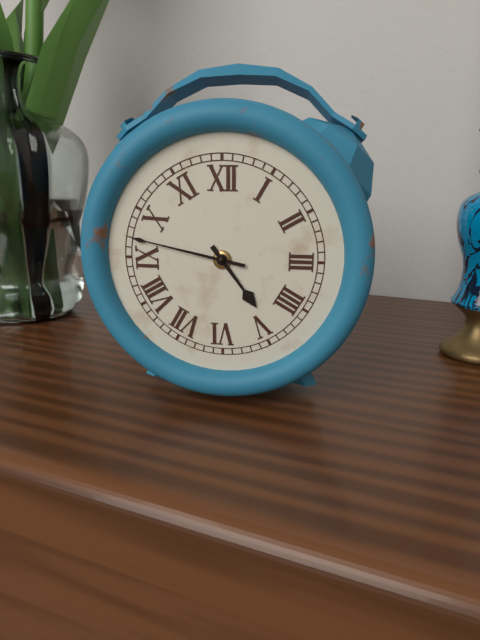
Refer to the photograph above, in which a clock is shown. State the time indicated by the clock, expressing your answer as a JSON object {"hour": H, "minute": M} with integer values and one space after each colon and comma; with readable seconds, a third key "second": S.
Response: {"hour": 4, "minute": 47}
